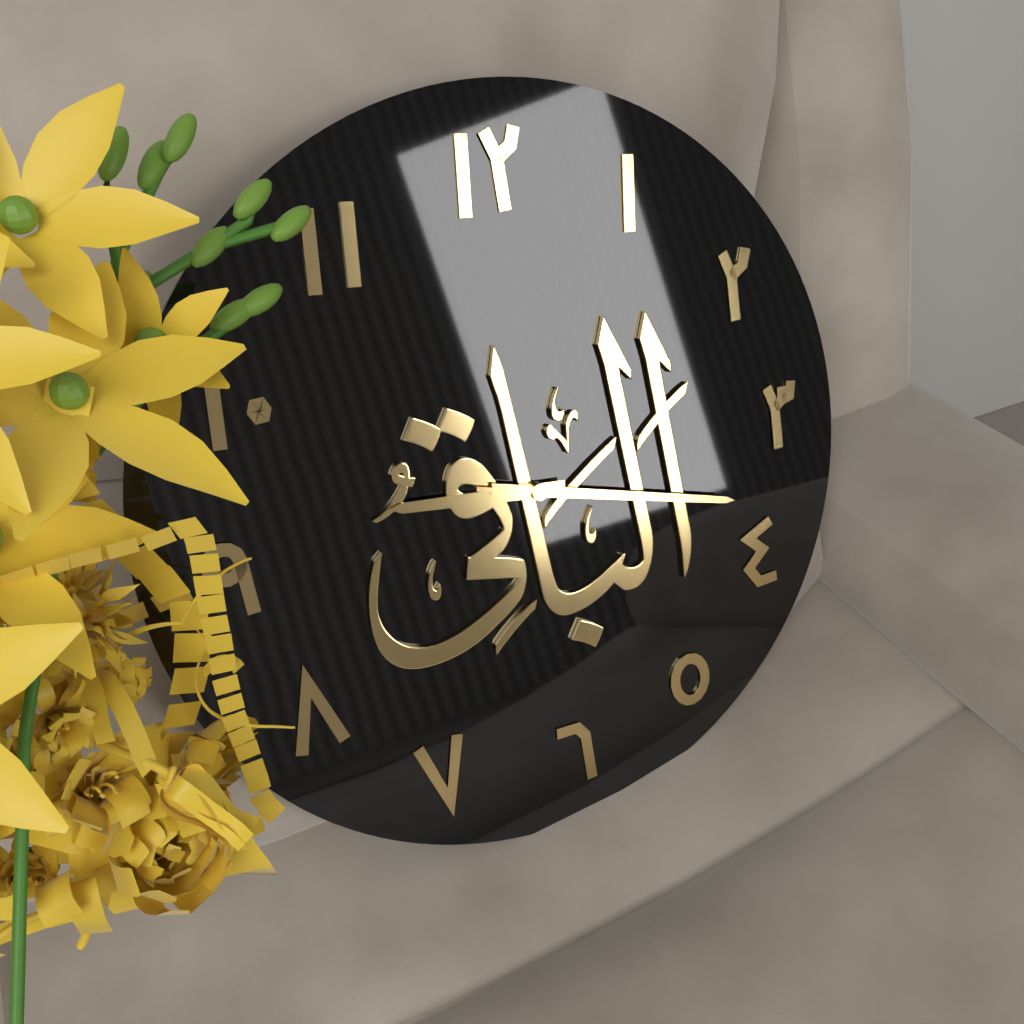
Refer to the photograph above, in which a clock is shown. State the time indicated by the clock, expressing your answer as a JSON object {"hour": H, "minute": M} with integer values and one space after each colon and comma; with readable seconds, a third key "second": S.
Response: {"hour": 9, "minute": 18, "second": 18}
